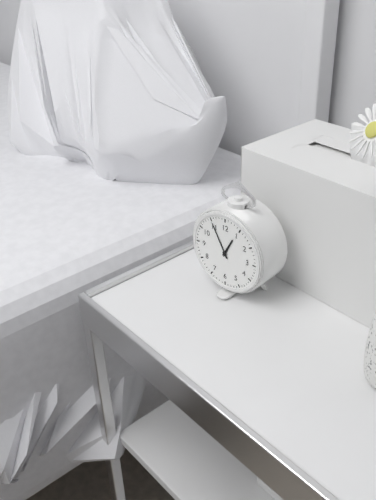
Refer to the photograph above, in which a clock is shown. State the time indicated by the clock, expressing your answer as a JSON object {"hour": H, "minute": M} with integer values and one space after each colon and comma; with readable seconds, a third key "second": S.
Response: {"hour": 12, "minute": 55}
